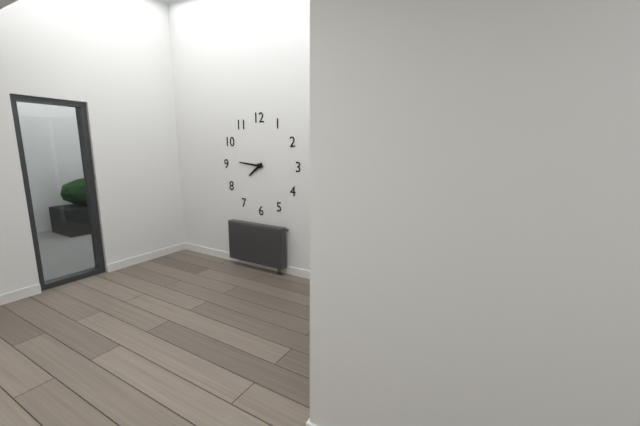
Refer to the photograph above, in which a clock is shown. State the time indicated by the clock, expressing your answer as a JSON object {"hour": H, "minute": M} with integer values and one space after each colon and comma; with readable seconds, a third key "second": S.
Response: {"hour": 7, "minute": 46}
